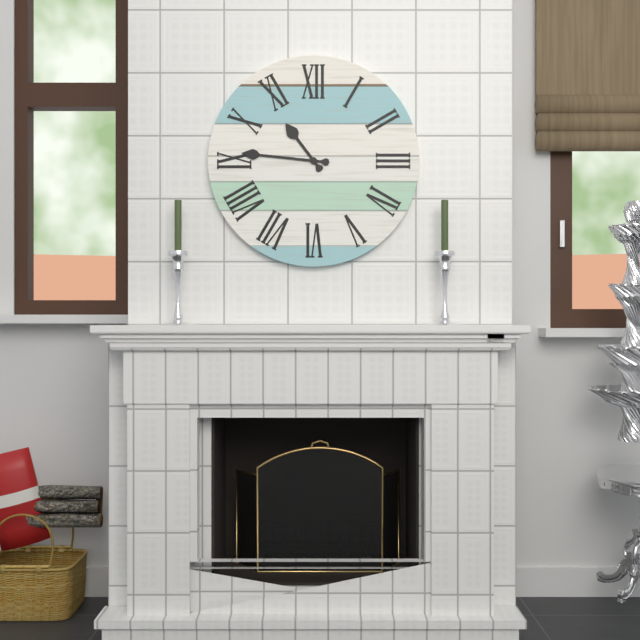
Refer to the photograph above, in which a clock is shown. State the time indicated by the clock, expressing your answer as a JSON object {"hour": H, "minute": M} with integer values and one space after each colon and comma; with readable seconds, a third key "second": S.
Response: {"hour": 10, "minute": 46}
